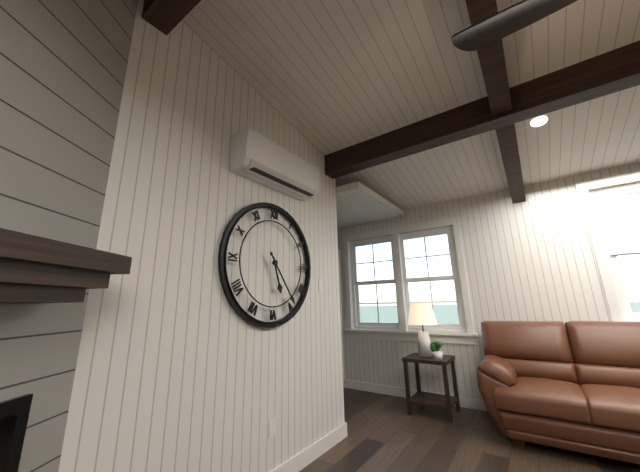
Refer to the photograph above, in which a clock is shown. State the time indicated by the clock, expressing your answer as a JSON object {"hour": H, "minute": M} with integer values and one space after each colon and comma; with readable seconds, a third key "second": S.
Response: {"hour": 5, "minute": 24}
